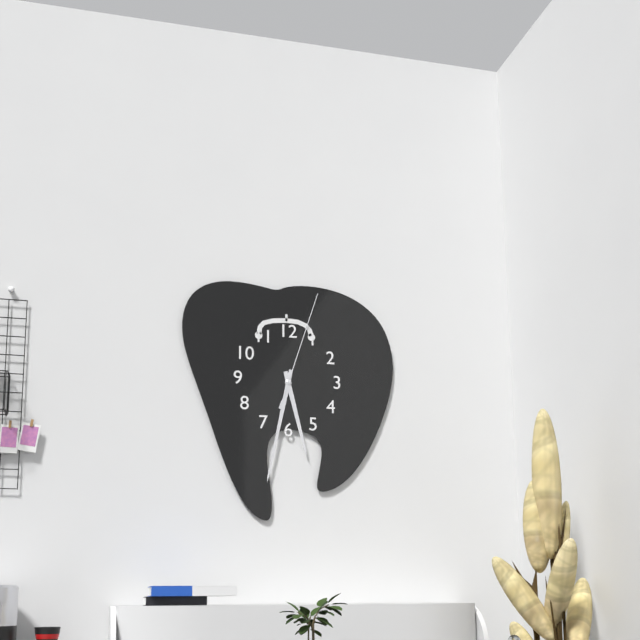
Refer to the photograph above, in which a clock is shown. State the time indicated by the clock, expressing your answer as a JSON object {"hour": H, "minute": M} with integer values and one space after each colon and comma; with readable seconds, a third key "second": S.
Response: {"hour": 5, "minute": 32, "second": 3}
